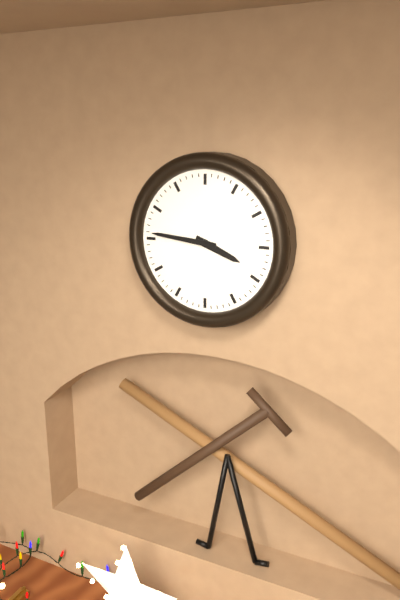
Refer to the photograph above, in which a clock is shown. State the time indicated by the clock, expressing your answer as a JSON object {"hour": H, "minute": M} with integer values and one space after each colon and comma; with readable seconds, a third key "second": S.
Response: {"hour": 3, "minute": 46}
